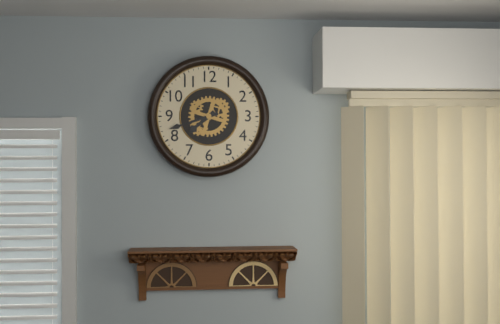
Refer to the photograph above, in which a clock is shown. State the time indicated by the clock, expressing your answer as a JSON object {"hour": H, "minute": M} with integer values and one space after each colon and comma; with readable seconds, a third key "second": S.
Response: {"hour": 7, "minute": 42}
